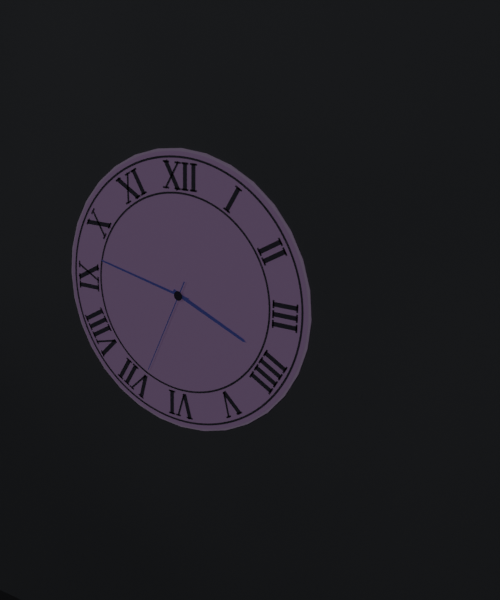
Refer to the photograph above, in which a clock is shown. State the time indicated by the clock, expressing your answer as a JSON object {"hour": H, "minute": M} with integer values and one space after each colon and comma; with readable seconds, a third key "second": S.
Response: {"hour": 3, "minute": 47, "second": 34}
